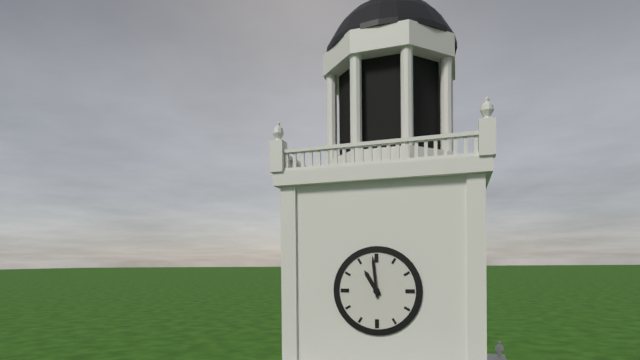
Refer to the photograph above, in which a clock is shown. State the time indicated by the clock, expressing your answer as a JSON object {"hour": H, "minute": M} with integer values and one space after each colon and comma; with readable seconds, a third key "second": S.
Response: {"hour": 10, "minute": 59}
